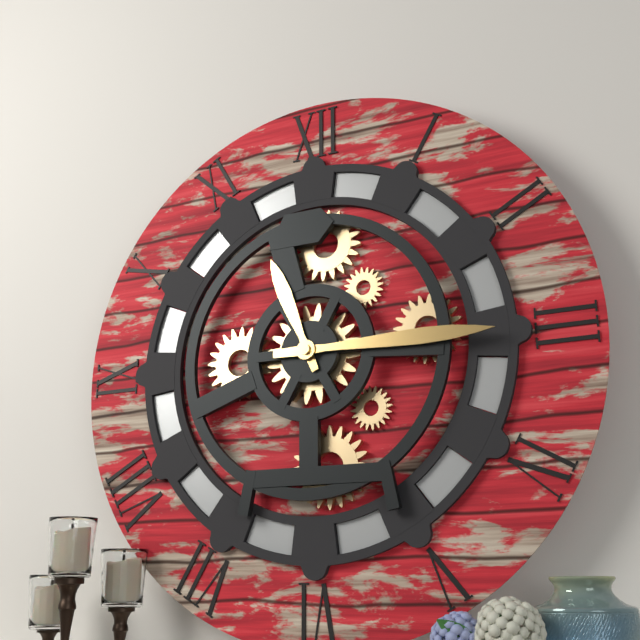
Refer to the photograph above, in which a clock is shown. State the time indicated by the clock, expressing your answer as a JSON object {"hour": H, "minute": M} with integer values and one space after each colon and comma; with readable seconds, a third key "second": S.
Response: {"hour": 11, "minute": 15}
